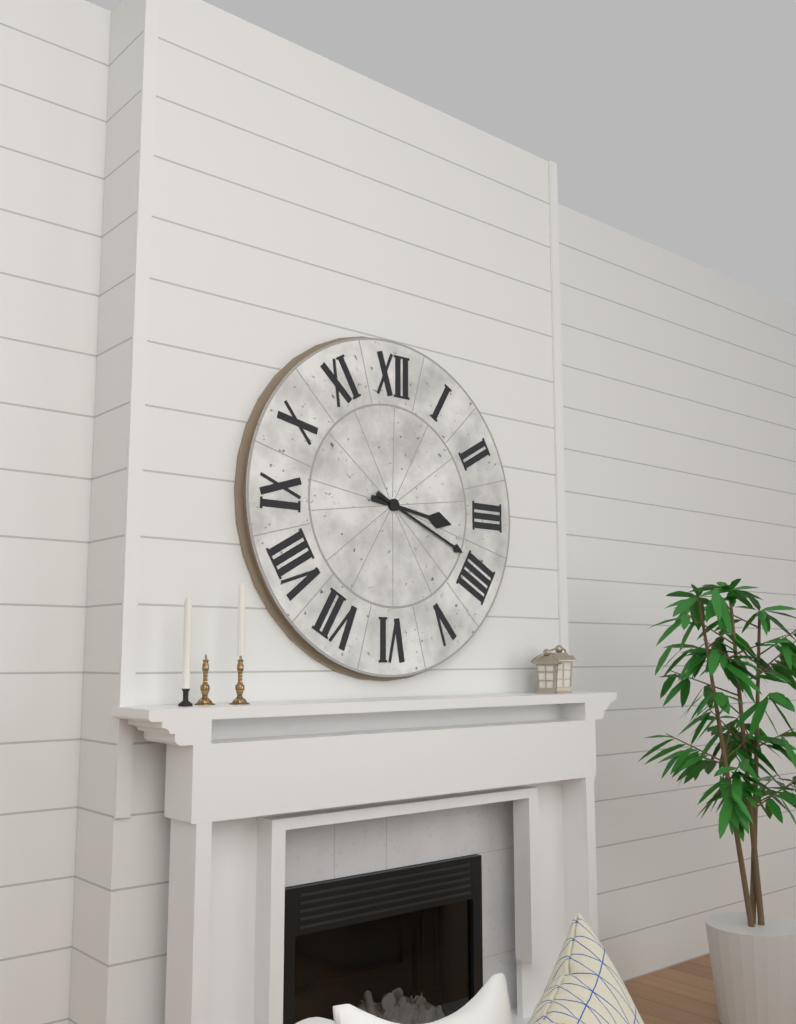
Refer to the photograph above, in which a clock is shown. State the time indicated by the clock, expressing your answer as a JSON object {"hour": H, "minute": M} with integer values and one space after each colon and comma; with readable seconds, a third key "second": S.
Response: {"hour": 3, "minute": 19}
